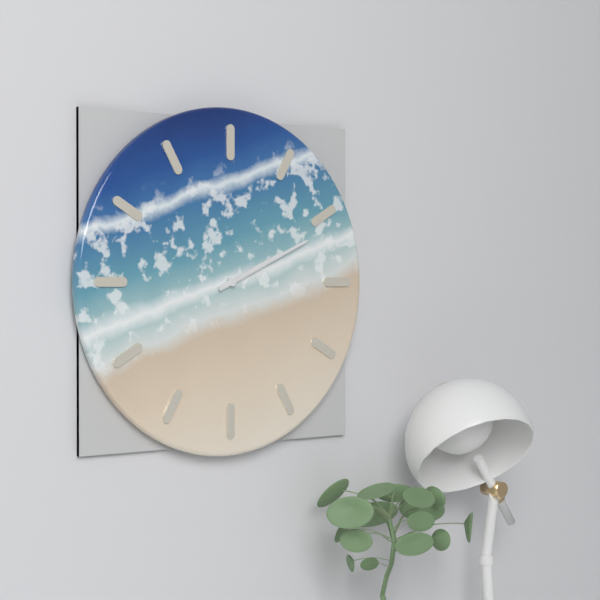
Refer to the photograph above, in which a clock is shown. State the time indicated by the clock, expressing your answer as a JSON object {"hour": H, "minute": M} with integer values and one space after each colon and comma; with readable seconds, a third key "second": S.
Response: {"hour": 2, "minute": 11}
